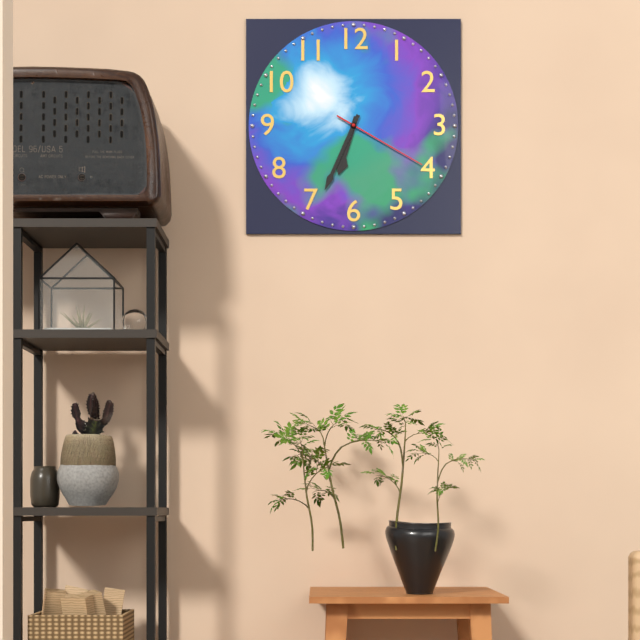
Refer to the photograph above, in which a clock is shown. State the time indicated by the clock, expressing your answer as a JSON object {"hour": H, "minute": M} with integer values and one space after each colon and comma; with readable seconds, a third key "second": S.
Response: {"hour": 6, "minute": 34, "second": 20}
